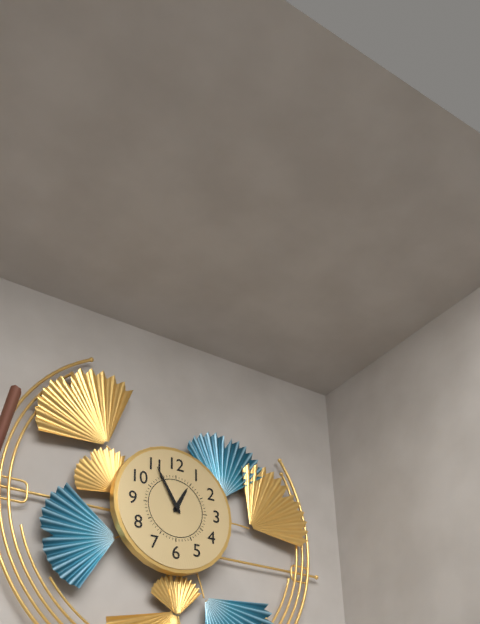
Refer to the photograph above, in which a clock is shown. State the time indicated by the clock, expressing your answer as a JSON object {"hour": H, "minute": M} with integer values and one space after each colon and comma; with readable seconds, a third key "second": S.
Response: {"hour": 12, "minute": 55}
